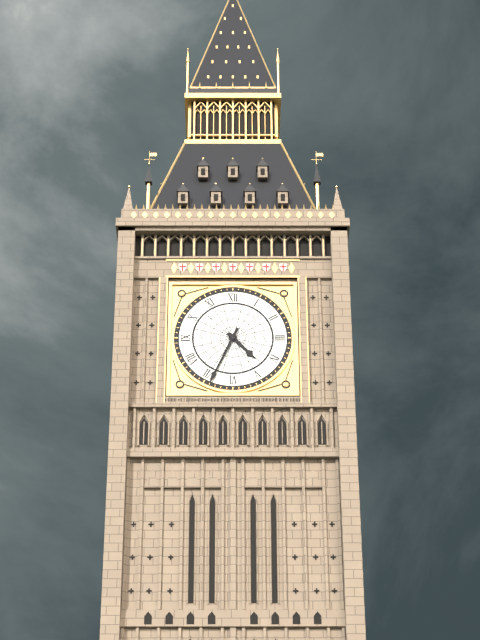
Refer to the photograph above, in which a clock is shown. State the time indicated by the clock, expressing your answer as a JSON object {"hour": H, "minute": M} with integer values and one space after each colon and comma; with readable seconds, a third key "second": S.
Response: {"hour": 4, "minute": 34}
